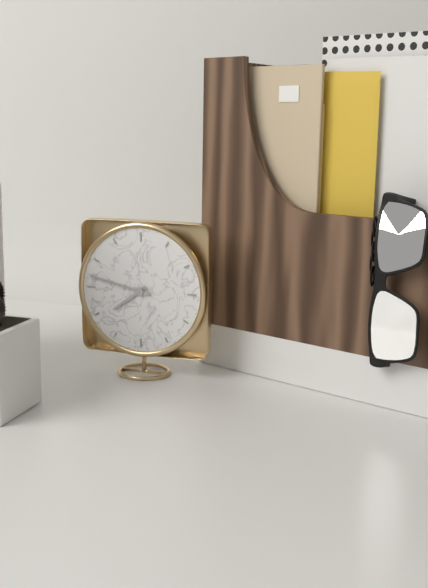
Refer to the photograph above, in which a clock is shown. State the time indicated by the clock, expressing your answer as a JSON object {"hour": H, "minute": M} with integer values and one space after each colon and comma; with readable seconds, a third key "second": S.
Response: {"hour": 7, "minute": 47}
